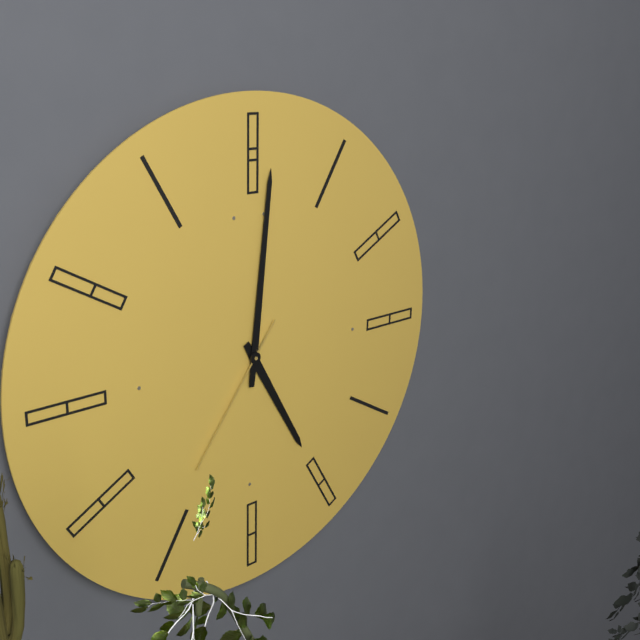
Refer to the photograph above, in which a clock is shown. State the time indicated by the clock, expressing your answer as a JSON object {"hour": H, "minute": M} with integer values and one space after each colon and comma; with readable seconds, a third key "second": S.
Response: {"hour": 5, "minute": 1, "second": 36}
